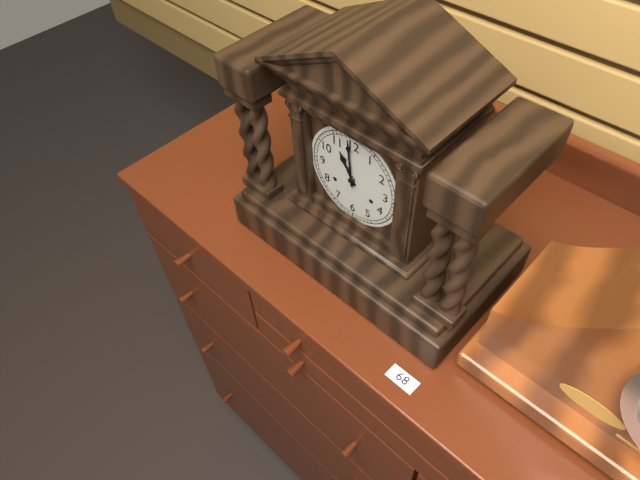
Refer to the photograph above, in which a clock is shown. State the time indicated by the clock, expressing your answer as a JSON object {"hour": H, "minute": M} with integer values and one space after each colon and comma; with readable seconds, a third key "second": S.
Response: {"hour": 10, "minute": 59}
